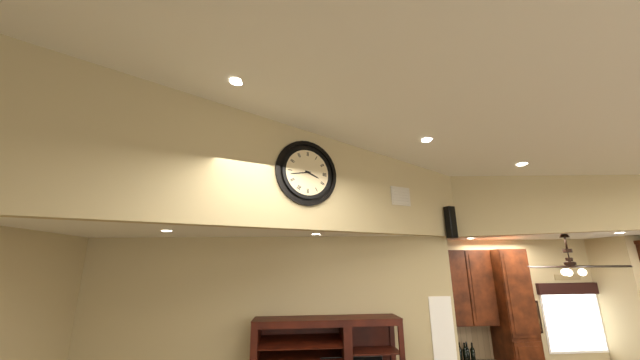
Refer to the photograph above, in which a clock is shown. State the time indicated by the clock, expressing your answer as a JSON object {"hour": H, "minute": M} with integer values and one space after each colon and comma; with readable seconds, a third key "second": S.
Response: {"hour": 3, "minute": 43}
